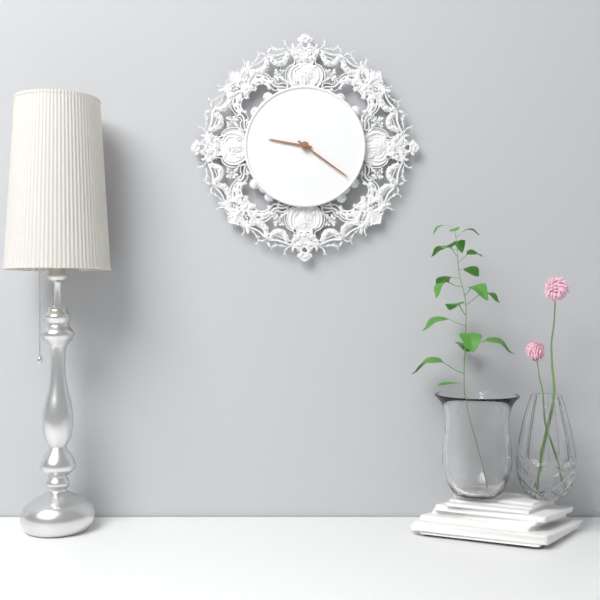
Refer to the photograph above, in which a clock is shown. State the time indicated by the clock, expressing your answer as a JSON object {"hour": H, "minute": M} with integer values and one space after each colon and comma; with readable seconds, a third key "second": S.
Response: {"hour": 9, "minute": 21}
